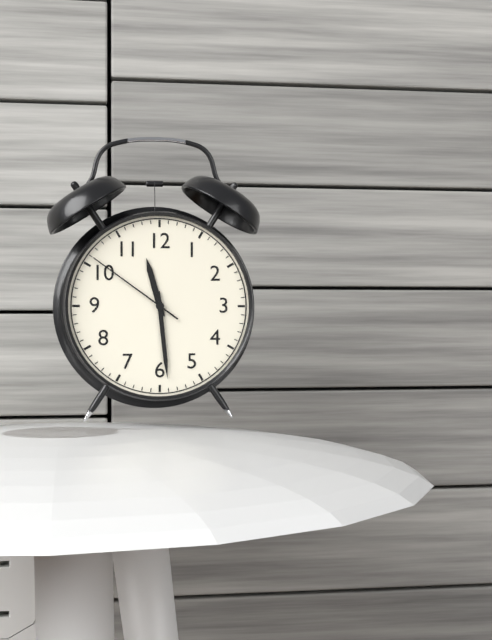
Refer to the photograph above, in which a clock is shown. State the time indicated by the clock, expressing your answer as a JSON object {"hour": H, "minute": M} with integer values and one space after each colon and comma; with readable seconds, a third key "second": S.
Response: {"hour": 11, "minute": 29, "second": 51}
